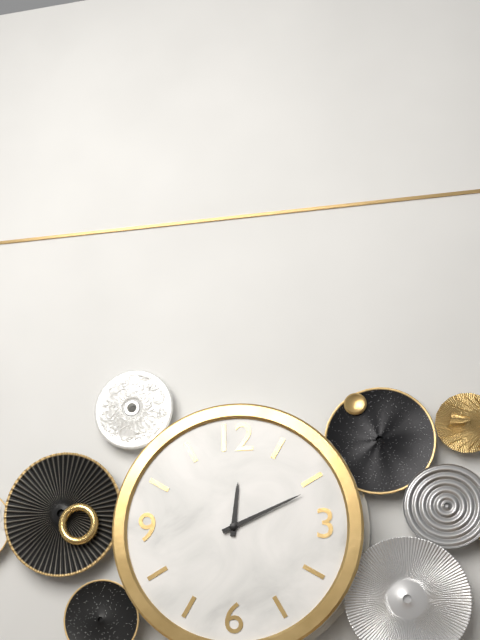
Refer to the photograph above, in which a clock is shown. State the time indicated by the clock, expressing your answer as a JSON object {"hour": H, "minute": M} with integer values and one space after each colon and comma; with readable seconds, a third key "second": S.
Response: {"hour": 12, "minute": 11}
